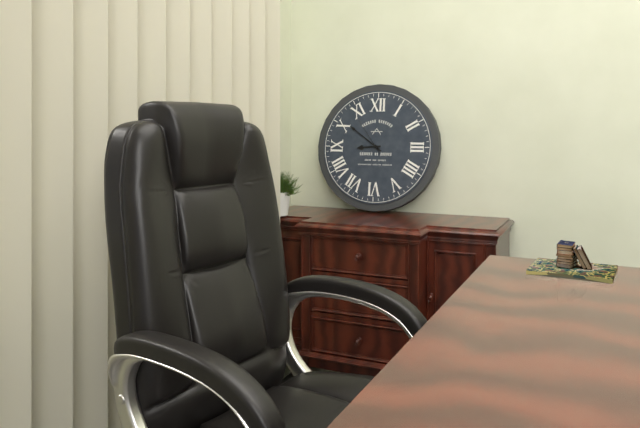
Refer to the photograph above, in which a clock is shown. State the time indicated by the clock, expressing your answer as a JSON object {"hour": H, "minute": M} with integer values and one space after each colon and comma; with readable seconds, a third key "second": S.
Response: {"hour": 8, "minute": 51}
